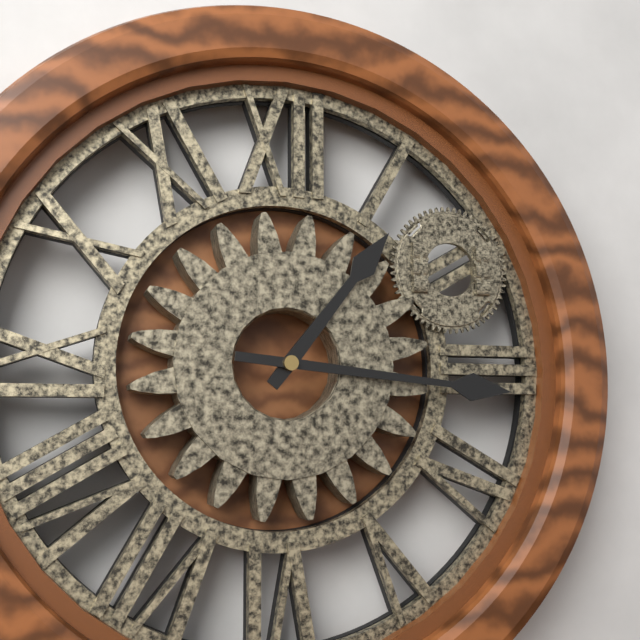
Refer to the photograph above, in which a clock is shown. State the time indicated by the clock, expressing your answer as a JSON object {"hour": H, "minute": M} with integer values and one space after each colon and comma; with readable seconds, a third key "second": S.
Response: {"hour": 1, "minute": 16}
